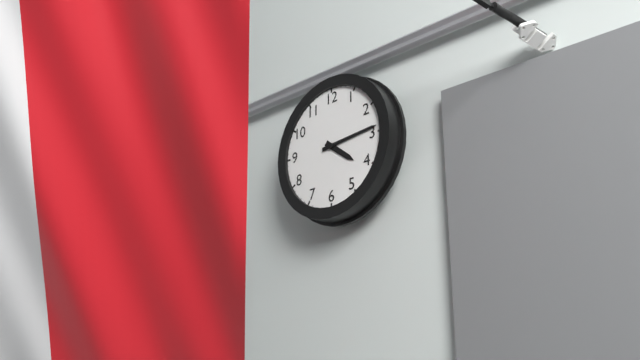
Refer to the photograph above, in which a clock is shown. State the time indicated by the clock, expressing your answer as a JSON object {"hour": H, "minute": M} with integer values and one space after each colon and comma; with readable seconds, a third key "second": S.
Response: {"hour": 4, "minute": 14}
